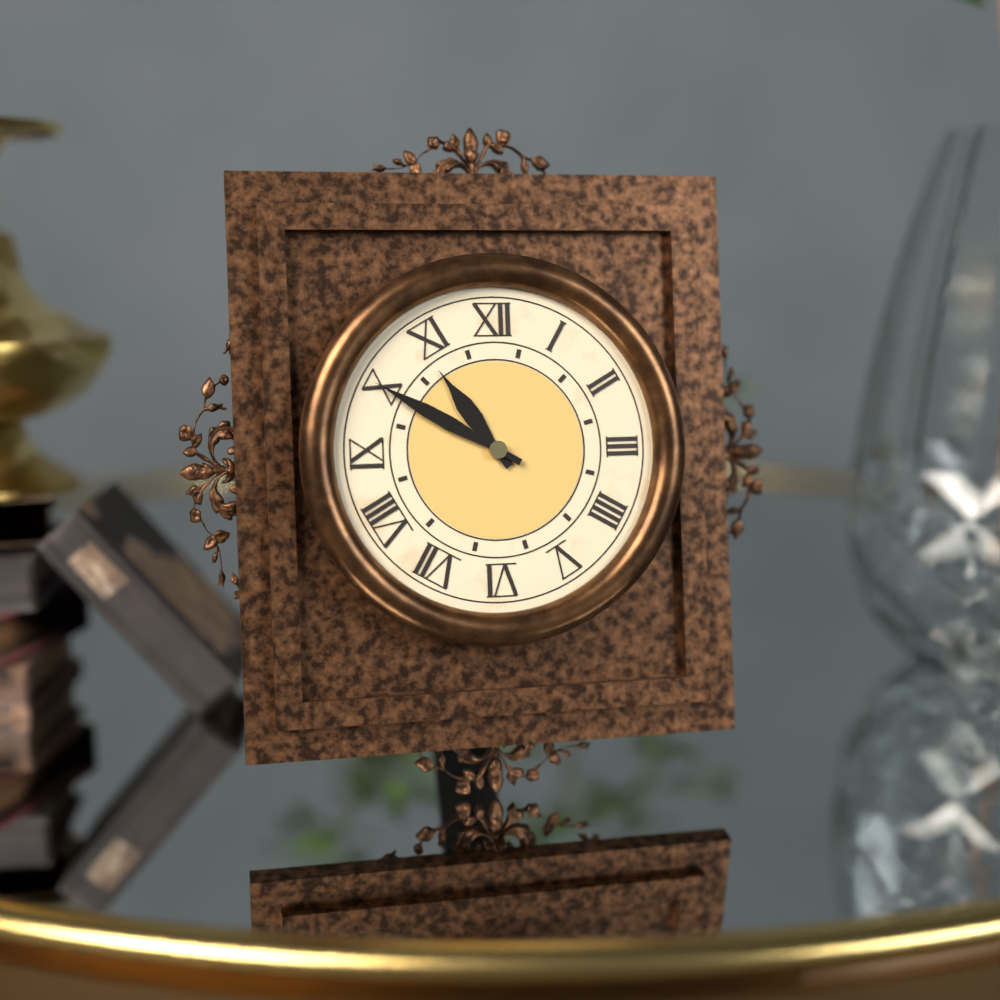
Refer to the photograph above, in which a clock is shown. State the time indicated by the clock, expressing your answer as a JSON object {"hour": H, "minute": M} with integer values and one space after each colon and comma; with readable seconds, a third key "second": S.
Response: {"hour": 10, "minute": 50}
